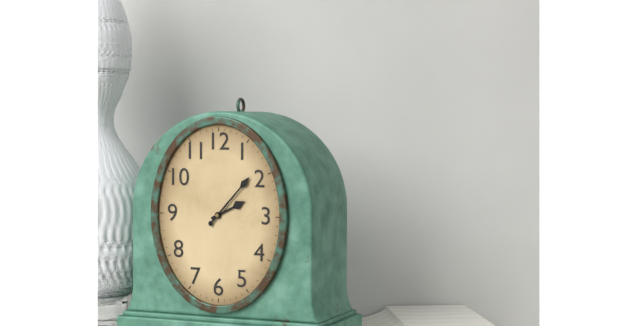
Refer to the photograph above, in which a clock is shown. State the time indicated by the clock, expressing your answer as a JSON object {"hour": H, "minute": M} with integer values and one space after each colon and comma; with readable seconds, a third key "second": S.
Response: {"hour": 2, "minute": 7}
